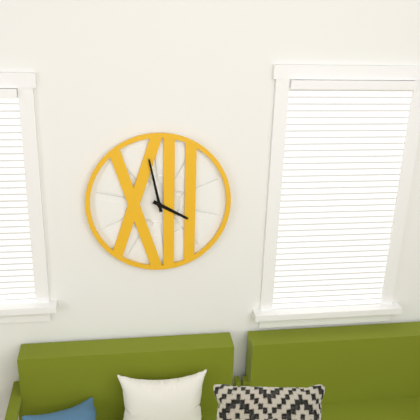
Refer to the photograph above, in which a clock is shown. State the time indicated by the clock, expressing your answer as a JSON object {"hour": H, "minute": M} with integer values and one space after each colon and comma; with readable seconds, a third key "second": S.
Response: {"hour": 3, "minute": 58}
